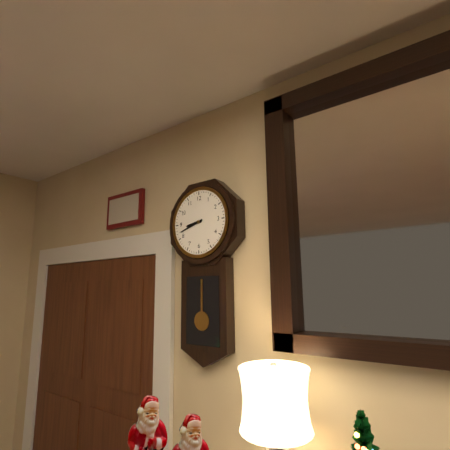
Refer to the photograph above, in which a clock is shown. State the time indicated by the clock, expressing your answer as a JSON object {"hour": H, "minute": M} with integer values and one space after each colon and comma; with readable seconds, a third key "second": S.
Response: {"hour": 8, "minute": 42}
